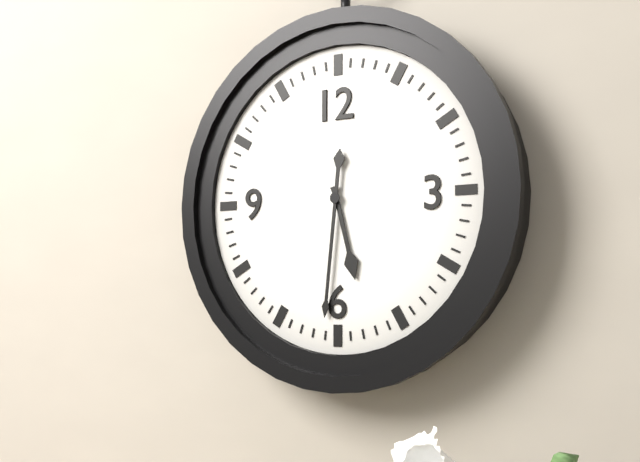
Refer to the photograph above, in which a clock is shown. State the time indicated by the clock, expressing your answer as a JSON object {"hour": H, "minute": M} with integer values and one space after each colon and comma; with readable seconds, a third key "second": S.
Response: {"hour": 5, "minute": 31}
